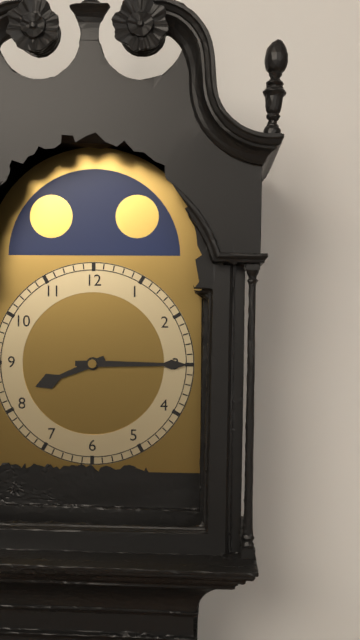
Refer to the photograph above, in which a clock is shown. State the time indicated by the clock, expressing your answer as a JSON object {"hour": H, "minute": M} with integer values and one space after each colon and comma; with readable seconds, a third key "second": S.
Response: {"hour": 8, "minute": 15}
